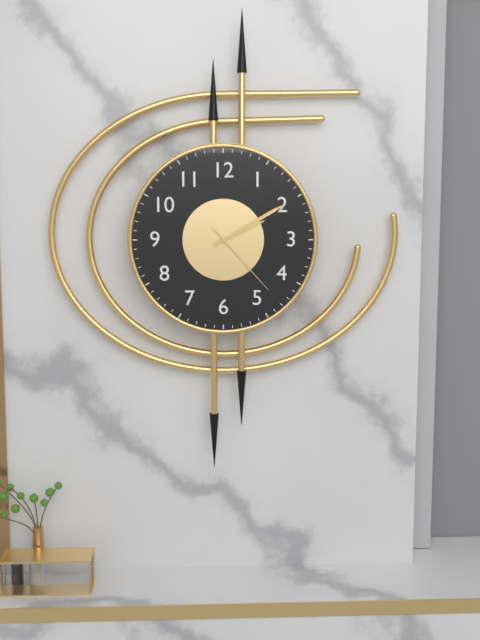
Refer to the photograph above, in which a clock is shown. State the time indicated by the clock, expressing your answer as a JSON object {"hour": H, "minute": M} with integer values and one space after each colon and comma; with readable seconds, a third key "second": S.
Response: {"hour": 2, "minute": 10, "second": 23}
